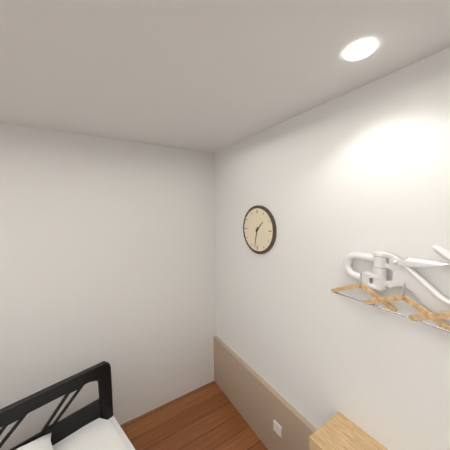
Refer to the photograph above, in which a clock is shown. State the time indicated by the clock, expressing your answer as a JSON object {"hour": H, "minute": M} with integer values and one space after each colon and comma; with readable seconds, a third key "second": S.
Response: {"hour": 1, "minute": 32}
